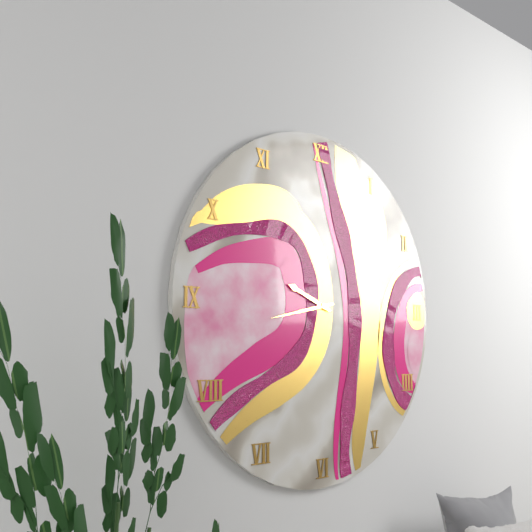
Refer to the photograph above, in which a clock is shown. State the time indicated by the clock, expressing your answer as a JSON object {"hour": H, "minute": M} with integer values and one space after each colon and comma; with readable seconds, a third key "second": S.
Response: {"hour": 9, "minute": 43}
